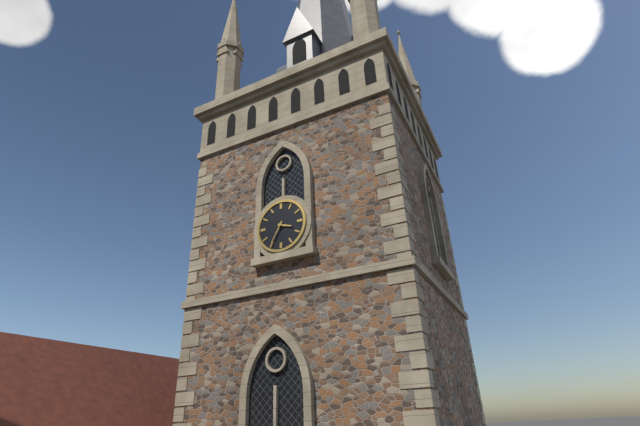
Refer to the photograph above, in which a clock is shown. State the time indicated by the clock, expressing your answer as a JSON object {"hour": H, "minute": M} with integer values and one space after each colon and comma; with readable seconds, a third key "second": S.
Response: {"hour": 3, "minute": 35}
